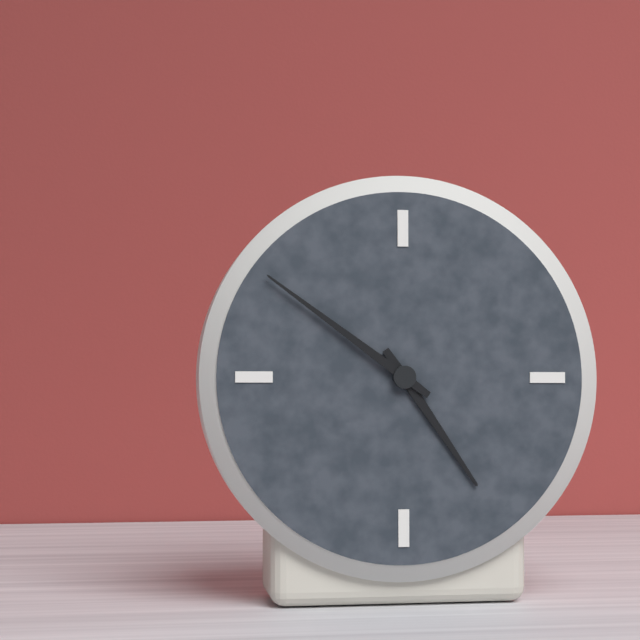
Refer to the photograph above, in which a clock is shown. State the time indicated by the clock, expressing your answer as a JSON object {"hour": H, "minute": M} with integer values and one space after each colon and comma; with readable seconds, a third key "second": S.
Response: {"hour": 4, "minute": 51}
